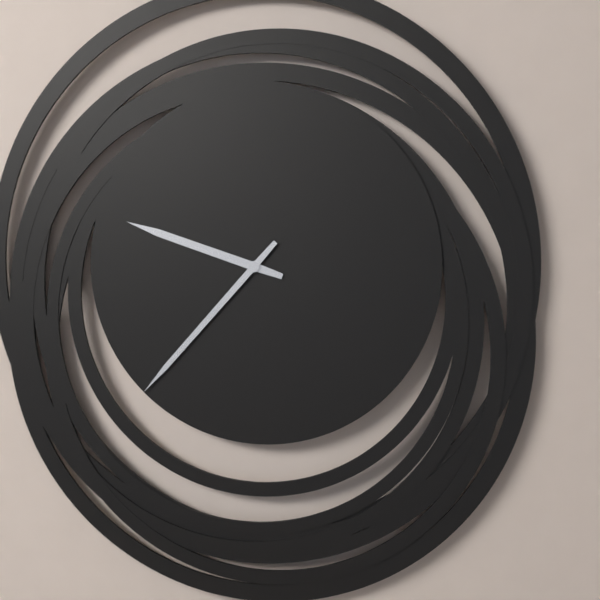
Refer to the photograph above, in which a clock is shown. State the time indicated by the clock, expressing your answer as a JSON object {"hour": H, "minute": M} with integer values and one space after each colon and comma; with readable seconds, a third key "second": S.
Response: {"hour": 9, "minute": 37}
